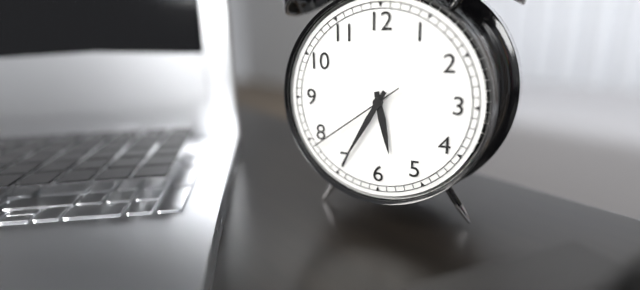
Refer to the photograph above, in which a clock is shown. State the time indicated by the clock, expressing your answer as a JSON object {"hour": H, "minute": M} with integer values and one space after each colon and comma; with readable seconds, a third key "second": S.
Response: {"hour": 5, "minute": 35, "second": 39}
